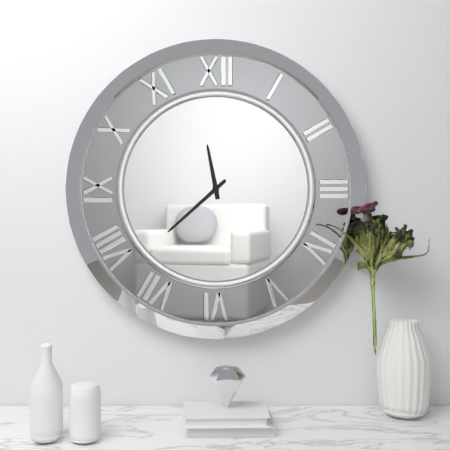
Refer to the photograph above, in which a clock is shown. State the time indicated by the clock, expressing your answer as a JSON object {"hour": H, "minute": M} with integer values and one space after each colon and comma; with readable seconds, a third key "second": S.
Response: {"hour": 11, "minute": 38}
